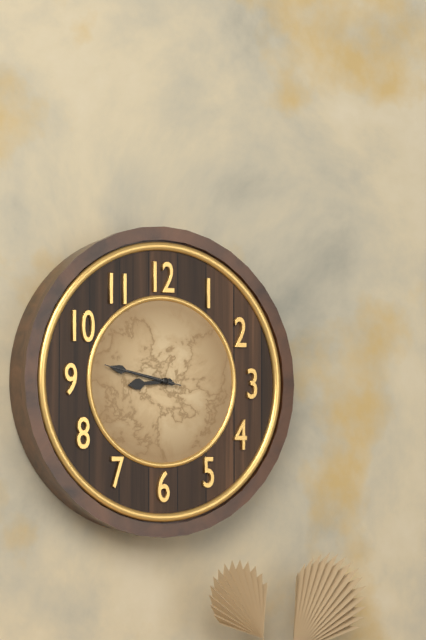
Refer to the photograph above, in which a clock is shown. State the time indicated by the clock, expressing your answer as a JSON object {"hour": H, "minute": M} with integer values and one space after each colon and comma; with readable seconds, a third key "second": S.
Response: {"hour": 8, "minute": 47, "second": 47}
